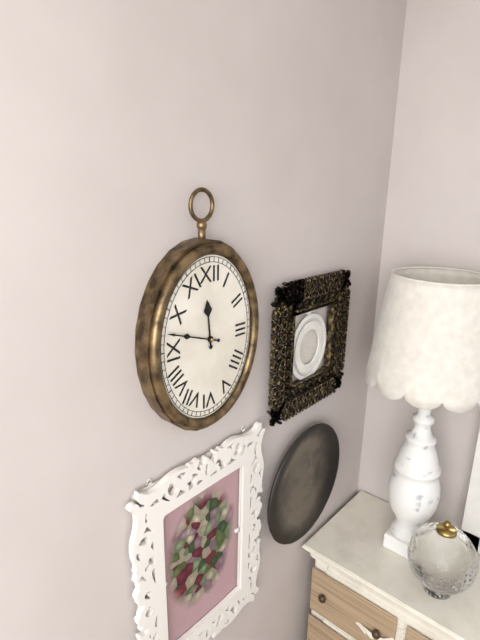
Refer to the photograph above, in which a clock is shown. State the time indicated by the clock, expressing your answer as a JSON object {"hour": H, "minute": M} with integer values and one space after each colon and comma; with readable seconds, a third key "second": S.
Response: {"hour": 11, "minute": 48}
